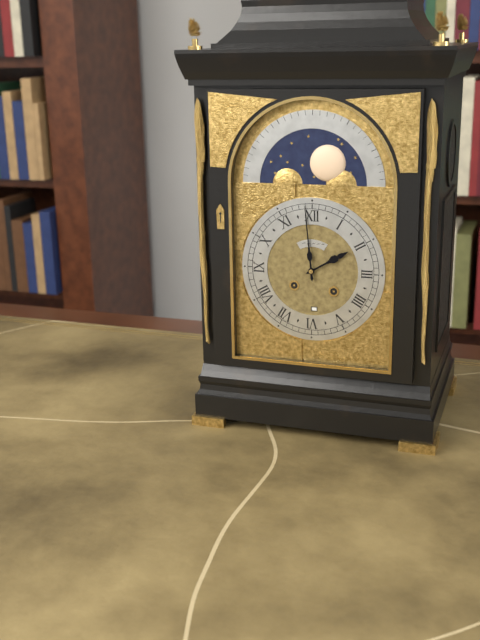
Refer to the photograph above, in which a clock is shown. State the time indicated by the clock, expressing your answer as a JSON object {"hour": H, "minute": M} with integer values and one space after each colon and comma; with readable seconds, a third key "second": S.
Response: {"hour": 1, "minute": 59}
